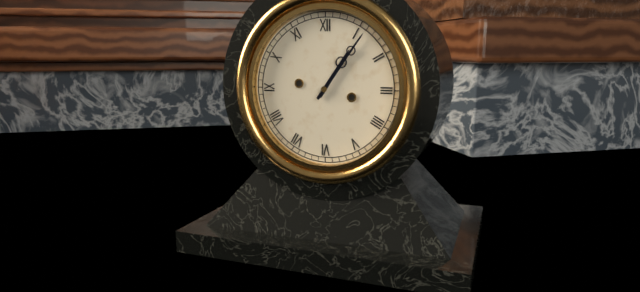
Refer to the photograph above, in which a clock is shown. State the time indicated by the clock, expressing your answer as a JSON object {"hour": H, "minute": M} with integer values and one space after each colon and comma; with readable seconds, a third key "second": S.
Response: {"hour": 1, "minute": 6}
